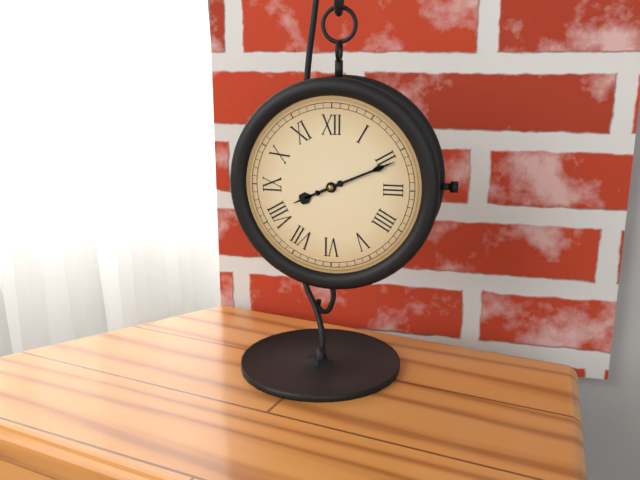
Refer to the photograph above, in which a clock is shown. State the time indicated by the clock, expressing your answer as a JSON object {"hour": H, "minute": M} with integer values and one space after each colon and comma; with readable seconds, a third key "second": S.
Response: {"hour": 8, "minute": 11}
